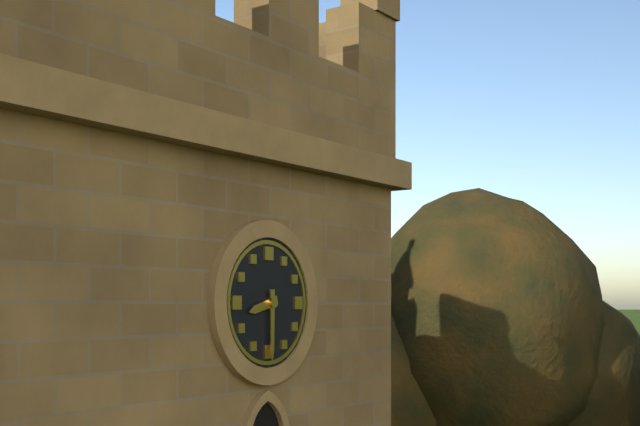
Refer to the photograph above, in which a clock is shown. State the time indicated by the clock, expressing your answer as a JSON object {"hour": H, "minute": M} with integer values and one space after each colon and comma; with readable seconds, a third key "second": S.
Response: {"hour": 8, "minute": 30}
